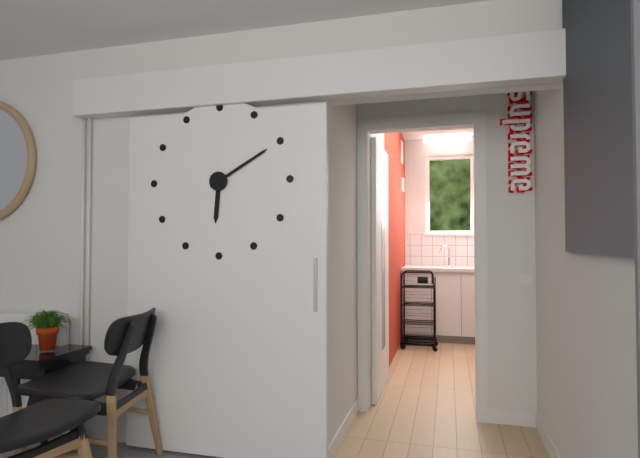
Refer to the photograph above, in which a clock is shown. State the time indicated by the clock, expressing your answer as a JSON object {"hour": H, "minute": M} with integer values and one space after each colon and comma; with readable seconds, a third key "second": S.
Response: {"hour": 6, "minute": 10}
